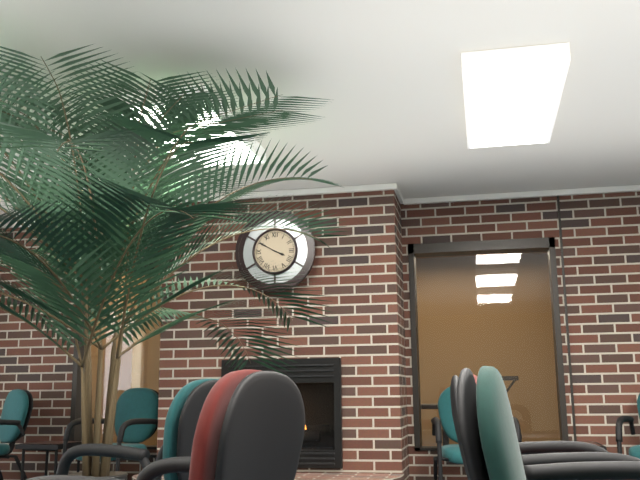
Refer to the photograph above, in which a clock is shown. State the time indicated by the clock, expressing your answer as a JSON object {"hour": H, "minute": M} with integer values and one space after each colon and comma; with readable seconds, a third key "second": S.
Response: {"hour": 3, "minute": 50}
